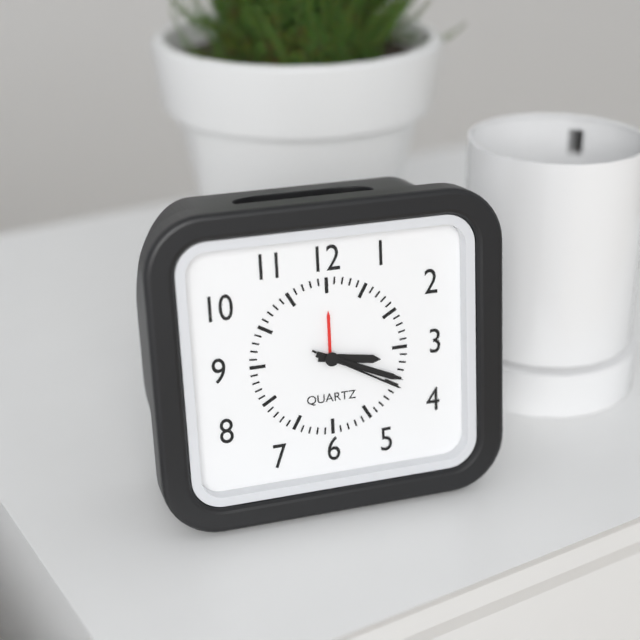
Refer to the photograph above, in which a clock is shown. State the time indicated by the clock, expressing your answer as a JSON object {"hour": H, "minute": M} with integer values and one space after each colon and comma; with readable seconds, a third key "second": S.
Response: {"hour": 3, "minute": 19, "second": 20}
